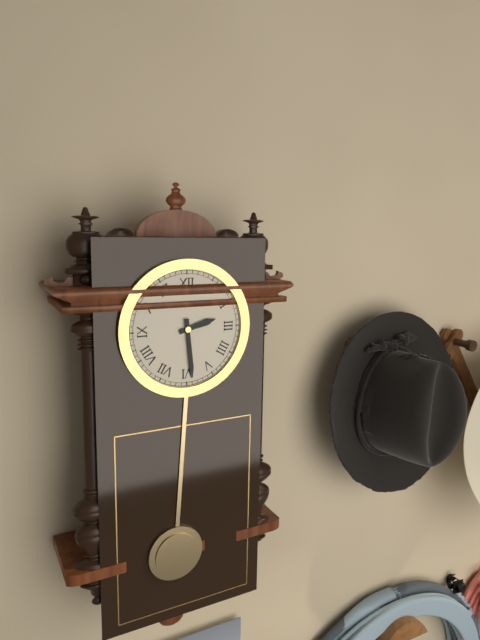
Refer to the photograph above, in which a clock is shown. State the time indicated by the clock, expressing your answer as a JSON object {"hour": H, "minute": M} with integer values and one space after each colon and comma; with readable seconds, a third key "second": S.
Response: {"hour": 2, "minute": 29}
